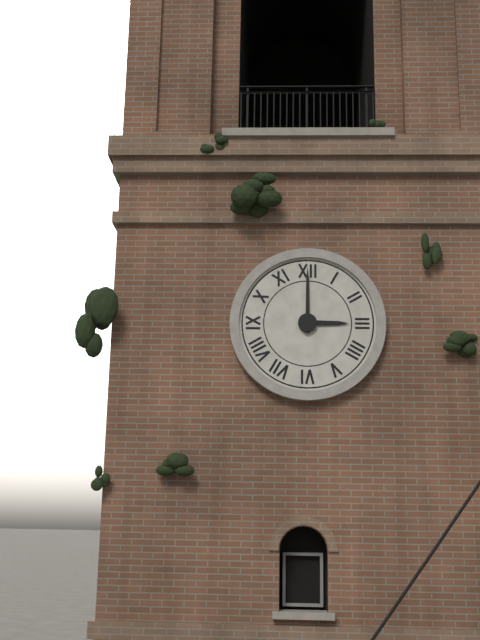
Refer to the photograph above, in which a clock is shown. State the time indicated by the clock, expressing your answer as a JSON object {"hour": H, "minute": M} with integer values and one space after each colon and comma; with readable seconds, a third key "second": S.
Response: {"hour": 3, "minute": 0}
